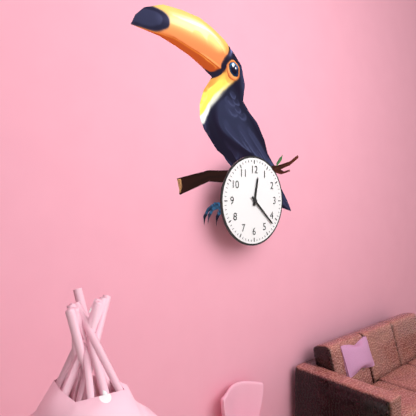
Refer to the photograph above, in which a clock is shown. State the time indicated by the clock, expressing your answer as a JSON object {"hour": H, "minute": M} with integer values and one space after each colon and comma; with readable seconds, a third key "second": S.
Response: {"hour": 12, "minute": 22}
